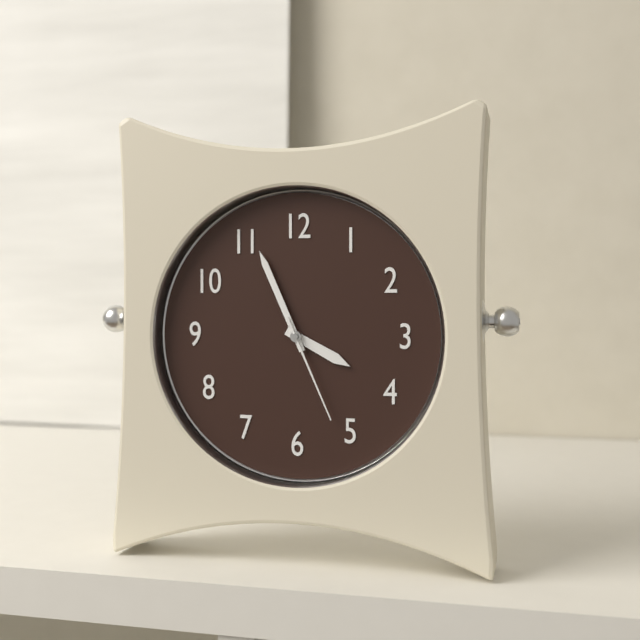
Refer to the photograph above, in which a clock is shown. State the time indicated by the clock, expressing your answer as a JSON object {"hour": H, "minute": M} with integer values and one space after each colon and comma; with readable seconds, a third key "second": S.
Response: {"hour": 3, "minute": 56, "second": 26}
